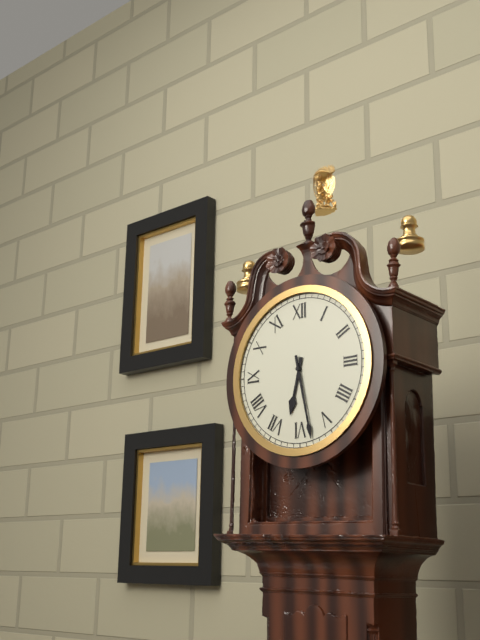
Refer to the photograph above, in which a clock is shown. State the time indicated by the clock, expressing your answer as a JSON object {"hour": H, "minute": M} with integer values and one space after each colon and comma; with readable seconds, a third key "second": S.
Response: {"hour": 6, "minute": 28}
